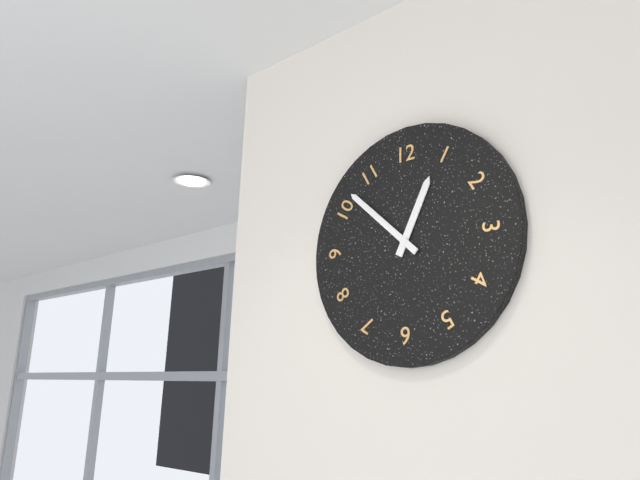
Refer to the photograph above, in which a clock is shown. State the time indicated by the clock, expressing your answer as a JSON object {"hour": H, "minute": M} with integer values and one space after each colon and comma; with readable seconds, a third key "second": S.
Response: {"hour": 12, "minute": 52}
